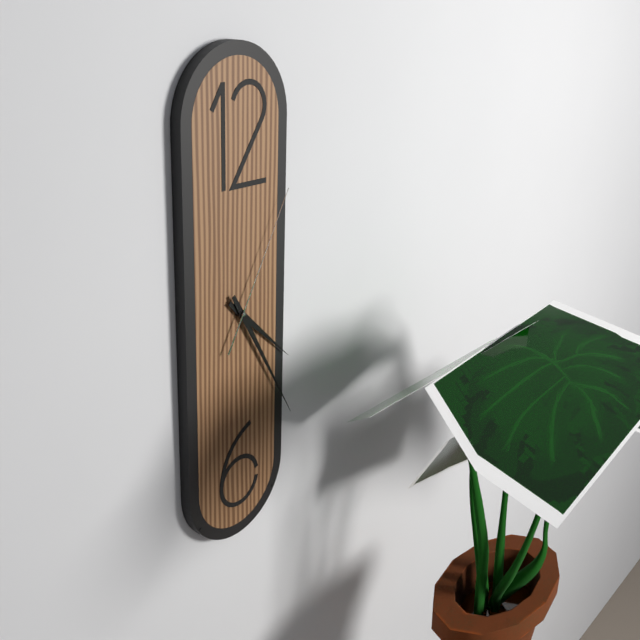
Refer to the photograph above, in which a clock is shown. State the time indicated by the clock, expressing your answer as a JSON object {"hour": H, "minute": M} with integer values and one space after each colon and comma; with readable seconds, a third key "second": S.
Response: {"hour": 4, "minute": 25, "second": 5}
